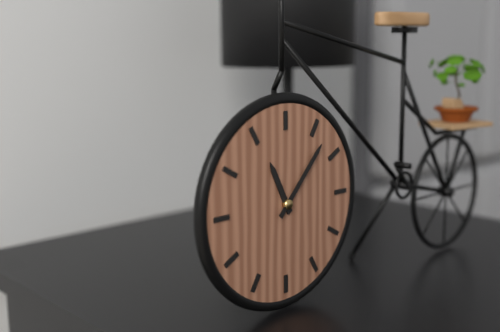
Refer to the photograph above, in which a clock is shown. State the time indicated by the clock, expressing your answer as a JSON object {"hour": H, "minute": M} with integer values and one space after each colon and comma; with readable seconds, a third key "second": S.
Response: {"hour": 11, "minute": 7}
